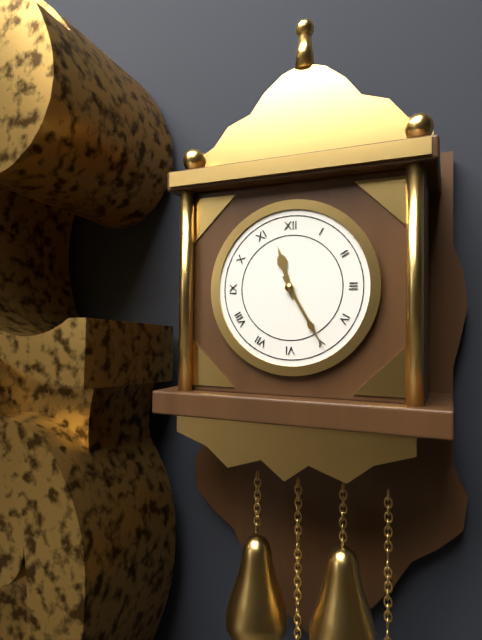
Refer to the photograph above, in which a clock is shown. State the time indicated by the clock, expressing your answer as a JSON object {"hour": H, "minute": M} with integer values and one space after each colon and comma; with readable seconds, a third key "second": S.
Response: {"hour": 11, "minute": 25}
